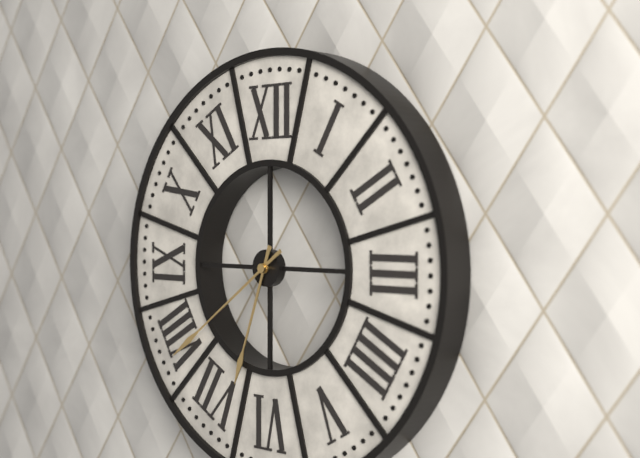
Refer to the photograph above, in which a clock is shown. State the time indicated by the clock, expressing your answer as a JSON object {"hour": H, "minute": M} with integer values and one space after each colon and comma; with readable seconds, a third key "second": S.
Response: {"hour": 6, "minute": 39}
